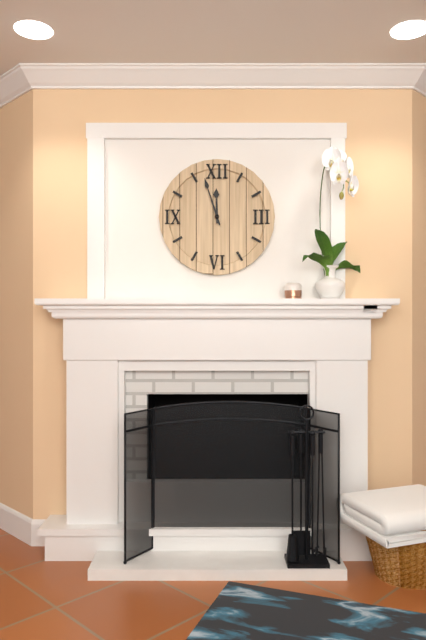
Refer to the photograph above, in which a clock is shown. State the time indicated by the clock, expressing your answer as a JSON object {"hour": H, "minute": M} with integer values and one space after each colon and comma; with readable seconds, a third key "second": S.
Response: {"hour": 11, "minute": 57}
